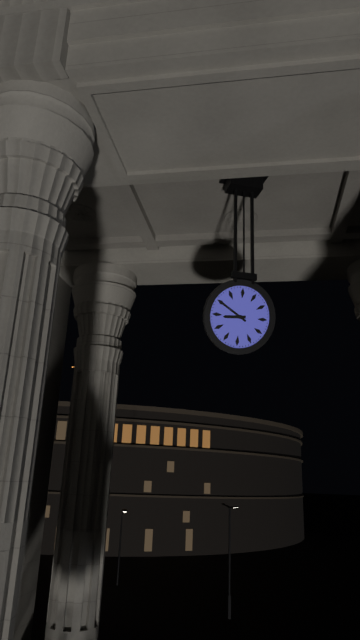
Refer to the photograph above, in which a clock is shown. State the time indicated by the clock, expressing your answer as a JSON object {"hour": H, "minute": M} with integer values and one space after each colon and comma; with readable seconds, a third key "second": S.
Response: {"hour": 8, "minute": 50}
